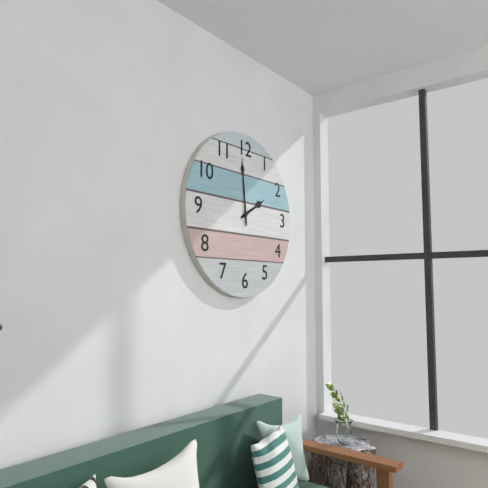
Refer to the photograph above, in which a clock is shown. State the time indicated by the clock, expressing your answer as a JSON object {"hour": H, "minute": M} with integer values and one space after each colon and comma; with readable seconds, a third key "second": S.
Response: {"hour": 1, "minute": 59}
